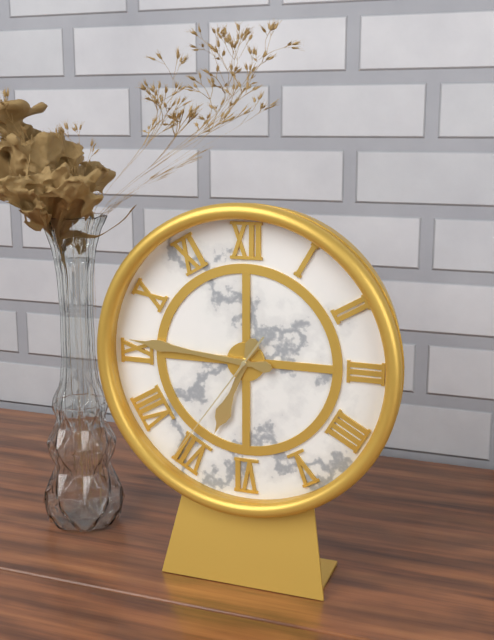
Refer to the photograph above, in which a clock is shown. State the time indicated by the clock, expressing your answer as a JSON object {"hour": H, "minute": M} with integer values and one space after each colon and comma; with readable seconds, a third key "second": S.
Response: {"hour": 6, "minute": 46, "second": 36}
